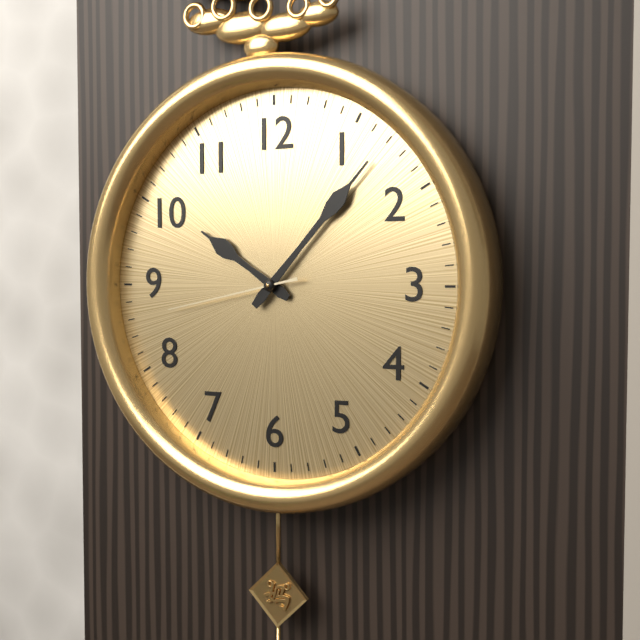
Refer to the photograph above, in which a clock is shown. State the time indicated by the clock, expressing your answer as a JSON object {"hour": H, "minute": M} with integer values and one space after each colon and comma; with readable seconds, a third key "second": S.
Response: {"hour": 10, "minute": 7, "second": 43}
